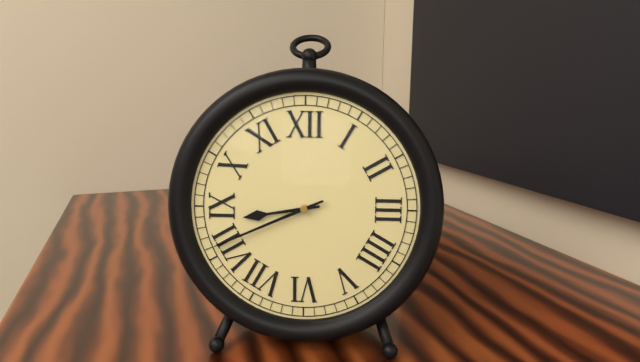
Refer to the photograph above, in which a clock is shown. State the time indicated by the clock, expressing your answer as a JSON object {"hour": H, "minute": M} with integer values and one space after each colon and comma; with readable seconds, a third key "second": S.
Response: {"hour": 8, "minute": 41}
